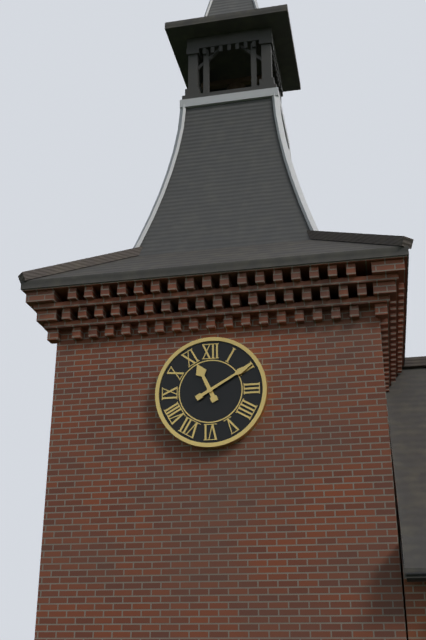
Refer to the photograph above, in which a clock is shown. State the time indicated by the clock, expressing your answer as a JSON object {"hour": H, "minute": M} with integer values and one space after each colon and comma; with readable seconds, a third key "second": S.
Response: {"hour": 11, "minute": 10}
